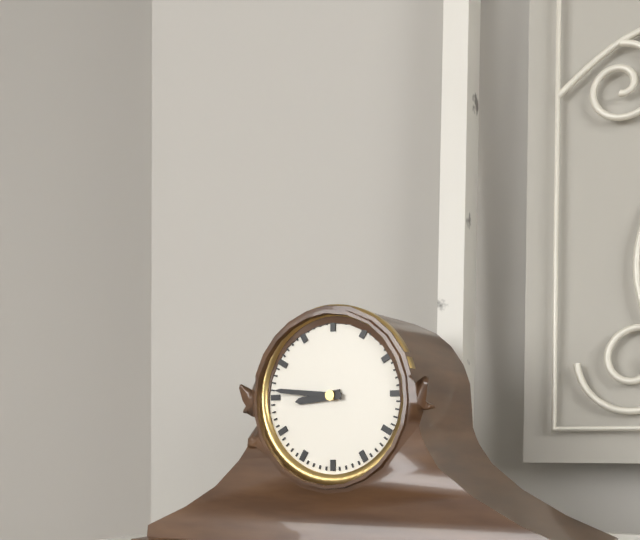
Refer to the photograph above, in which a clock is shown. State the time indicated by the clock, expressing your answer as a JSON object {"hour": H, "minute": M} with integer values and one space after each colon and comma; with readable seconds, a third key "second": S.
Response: {"hour": 8, "minute": 46}
